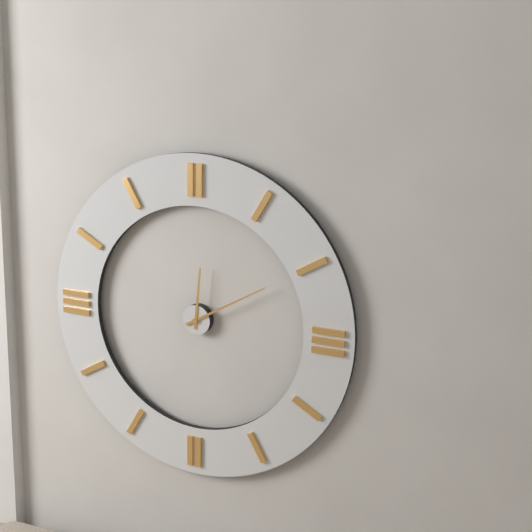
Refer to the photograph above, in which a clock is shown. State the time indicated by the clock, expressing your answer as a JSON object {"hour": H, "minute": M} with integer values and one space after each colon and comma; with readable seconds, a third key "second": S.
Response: {"hour": 12, "minute": 10}
